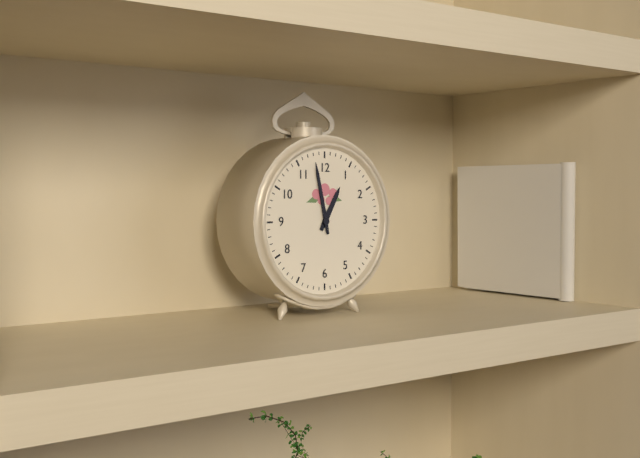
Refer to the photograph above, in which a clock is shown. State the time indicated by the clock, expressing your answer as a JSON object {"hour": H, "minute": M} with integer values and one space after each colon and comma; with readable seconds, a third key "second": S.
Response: {"hour": 12, "minute": 58}
